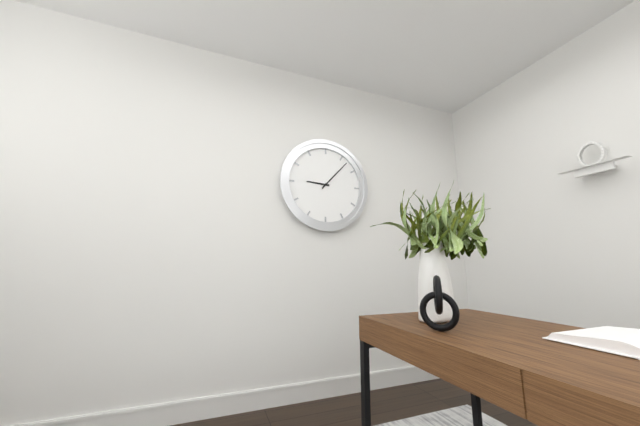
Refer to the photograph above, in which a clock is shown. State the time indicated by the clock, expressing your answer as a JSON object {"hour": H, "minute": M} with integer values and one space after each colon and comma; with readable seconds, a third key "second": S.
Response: {"hour": 9, "minute": 7}
